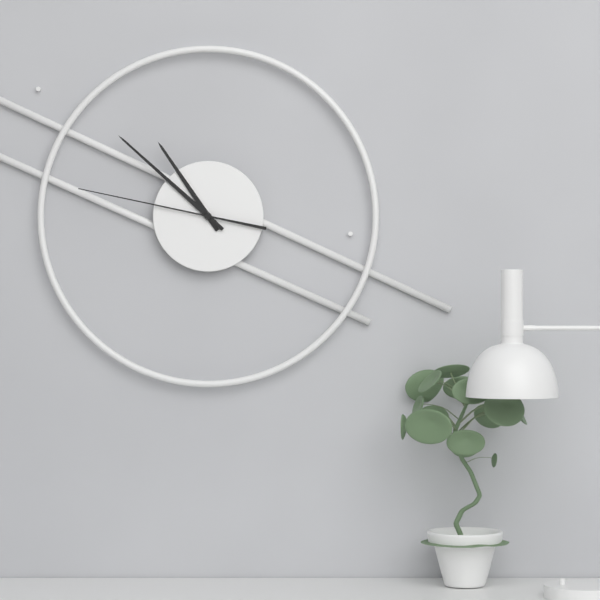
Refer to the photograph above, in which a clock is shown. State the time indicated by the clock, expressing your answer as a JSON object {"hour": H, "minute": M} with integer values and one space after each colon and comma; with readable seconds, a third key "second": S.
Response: {"hour": 10, "minute": 52, "second": 47}
